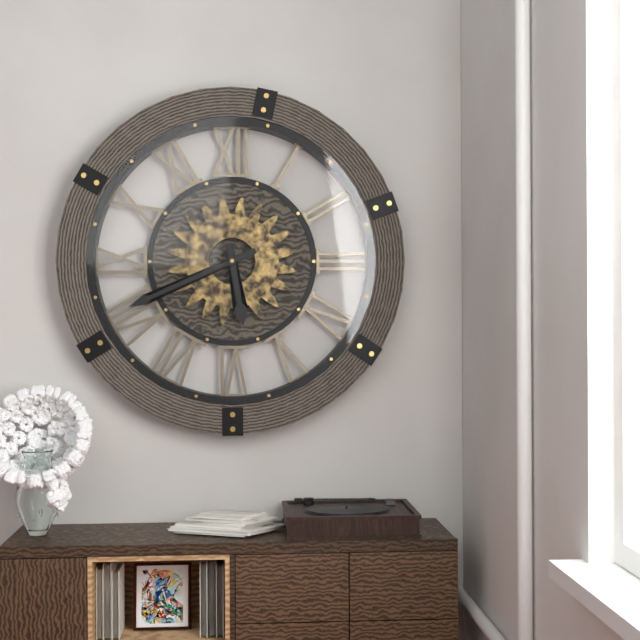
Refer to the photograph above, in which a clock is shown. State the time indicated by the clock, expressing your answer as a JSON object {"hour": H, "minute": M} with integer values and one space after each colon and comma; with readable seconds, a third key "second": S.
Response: {"hour": 5, "minute": 41}
